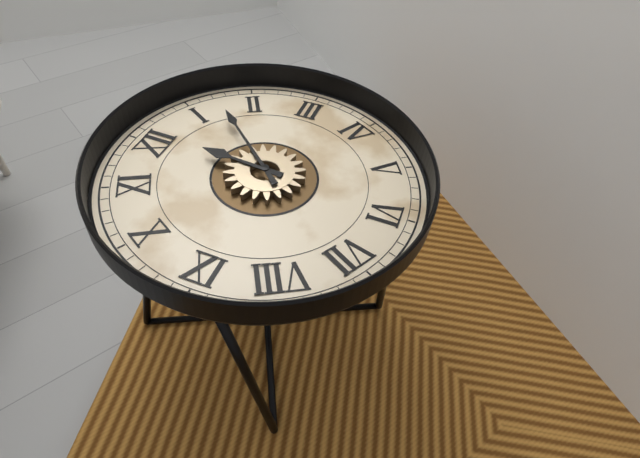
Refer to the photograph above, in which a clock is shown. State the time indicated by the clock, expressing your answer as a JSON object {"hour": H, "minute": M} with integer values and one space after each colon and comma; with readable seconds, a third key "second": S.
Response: {"hour": 12, "minute": 7}
